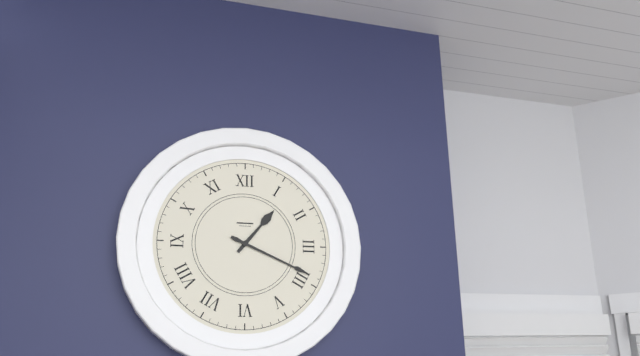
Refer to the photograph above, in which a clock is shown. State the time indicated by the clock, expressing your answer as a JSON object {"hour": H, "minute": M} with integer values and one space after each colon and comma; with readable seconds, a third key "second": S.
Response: {"hour": 1, "minute": 19}
